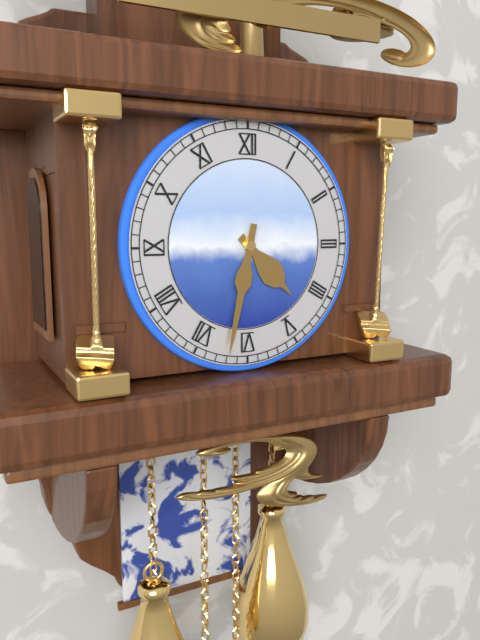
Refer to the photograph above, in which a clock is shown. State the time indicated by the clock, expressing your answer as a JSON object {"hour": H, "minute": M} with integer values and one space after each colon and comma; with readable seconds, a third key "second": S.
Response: {"hour": 4, "minute": 32}
